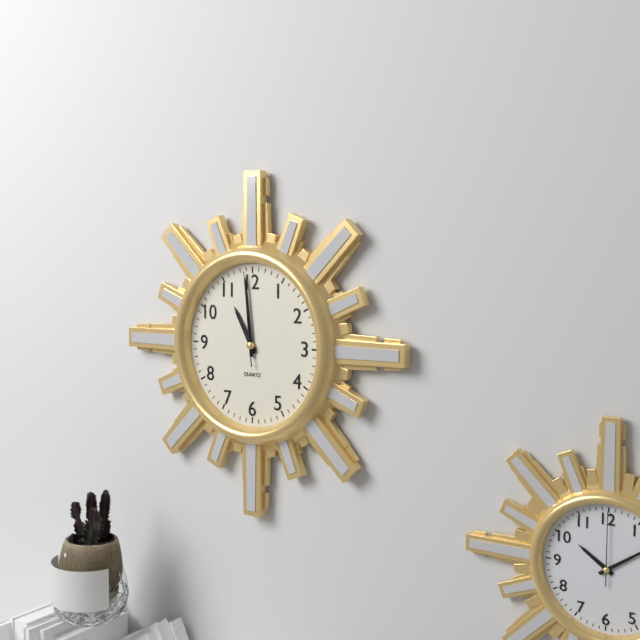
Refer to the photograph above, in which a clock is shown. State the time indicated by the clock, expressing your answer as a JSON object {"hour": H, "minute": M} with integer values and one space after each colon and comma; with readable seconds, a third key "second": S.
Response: {"hour": 10, "minute": 59, "second": 59}
